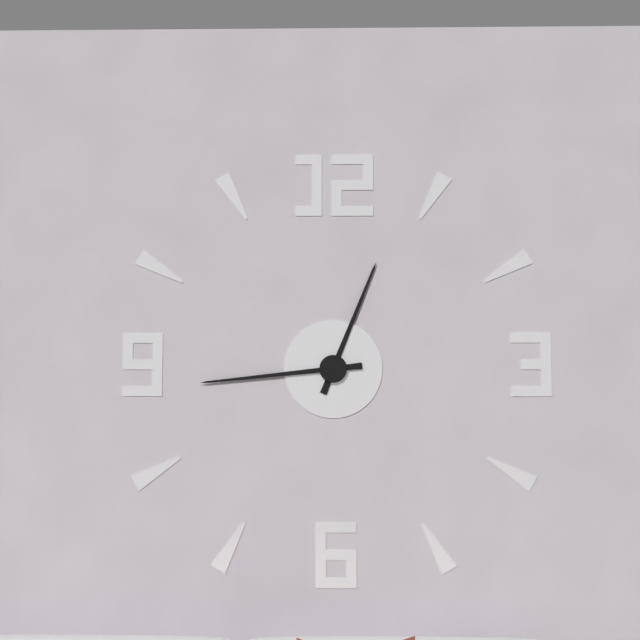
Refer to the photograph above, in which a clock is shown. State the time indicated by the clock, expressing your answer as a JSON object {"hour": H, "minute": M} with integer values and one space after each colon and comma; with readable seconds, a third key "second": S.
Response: {"hour": 12, "minute": 44}
